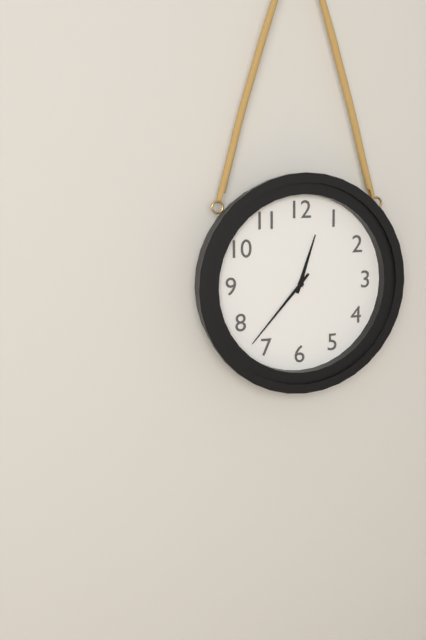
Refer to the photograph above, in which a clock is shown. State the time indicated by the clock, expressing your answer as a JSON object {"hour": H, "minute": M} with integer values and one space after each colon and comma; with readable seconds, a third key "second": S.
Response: {"hour": 12, "minute": 37}
